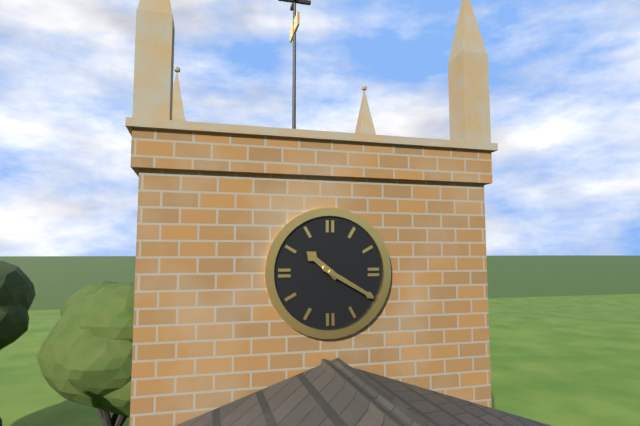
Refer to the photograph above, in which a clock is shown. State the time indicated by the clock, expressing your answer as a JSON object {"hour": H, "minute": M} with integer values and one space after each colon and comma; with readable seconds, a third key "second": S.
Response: {"hour": 10, "minute": 20}
